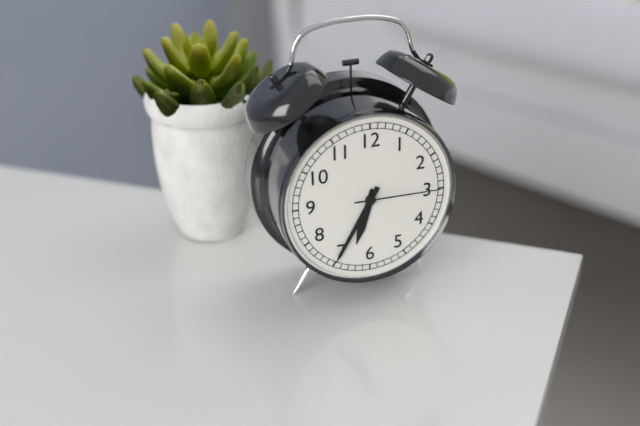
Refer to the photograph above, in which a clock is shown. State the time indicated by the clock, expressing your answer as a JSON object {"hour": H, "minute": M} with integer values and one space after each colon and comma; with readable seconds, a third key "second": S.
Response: {"hour": 6, "minute": 35, "second": 15}
